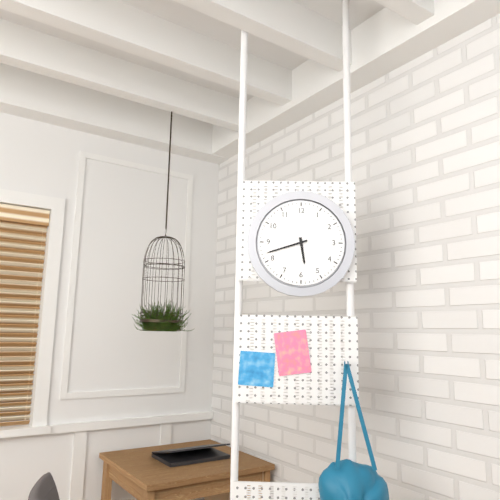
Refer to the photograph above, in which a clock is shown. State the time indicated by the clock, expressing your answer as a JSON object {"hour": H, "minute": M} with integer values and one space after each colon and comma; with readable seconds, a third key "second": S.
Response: {"hour": 5, "minute": 42}
